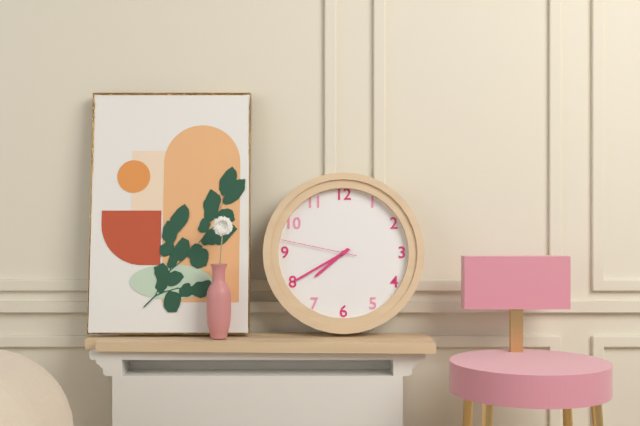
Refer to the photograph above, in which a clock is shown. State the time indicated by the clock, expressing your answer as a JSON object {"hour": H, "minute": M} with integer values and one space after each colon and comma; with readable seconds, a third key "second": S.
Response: {"hour": 7, "minute": 40, "second": 47}
